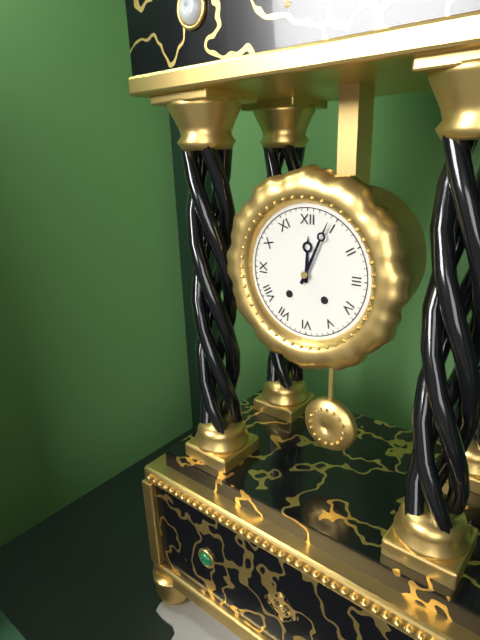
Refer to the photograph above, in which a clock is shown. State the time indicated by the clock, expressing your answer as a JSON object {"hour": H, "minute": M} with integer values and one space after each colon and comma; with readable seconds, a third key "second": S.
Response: {"hour": 12, "minute": 4}
